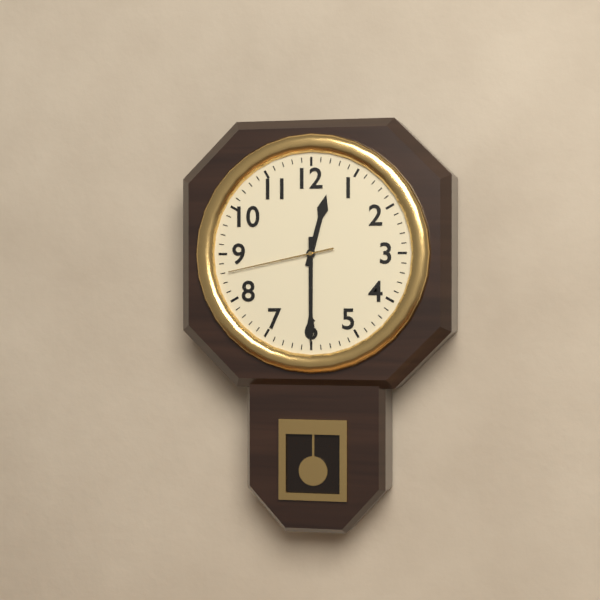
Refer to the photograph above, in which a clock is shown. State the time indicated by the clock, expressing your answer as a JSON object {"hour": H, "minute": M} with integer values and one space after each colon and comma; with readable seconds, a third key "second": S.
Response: {"hour": 12, "minute": 30, "second": 43}
